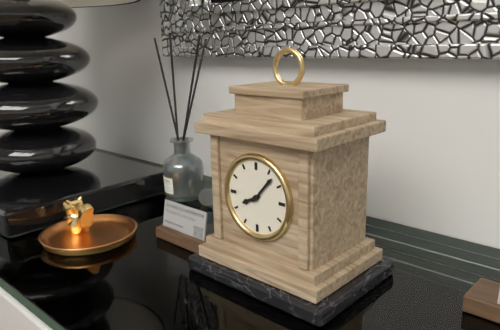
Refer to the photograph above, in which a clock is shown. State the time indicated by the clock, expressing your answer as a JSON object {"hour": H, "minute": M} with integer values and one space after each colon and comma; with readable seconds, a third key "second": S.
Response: {"hour": 8, "minute": 7}
